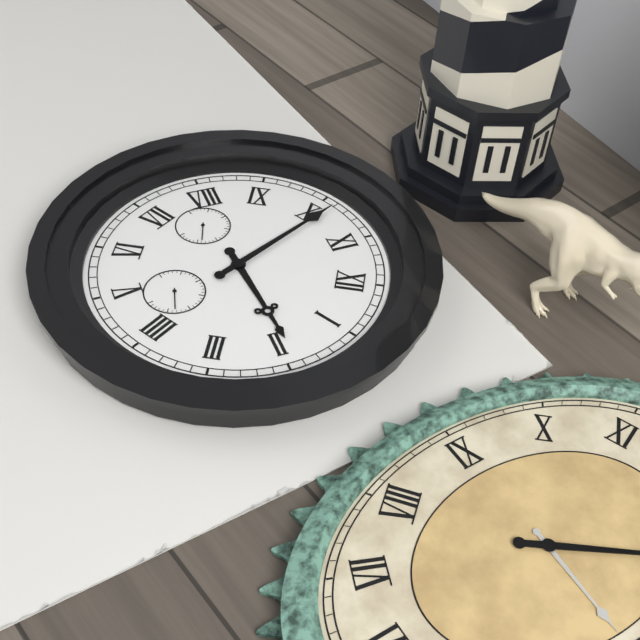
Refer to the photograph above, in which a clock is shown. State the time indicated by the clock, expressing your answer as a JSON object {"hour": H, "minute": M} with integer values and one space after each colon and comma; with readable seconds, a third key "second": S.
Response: {"hour": 1, "minute": 51}
